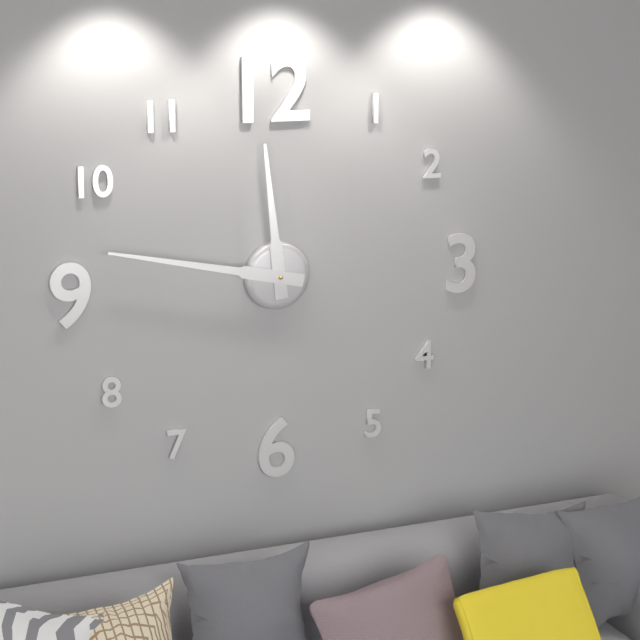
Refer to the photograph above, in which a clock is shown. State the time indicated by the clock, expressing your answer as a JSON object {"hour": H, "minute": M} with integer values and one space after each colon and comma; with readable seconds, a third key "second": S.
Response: {"hour": 11, "minute": 47}
